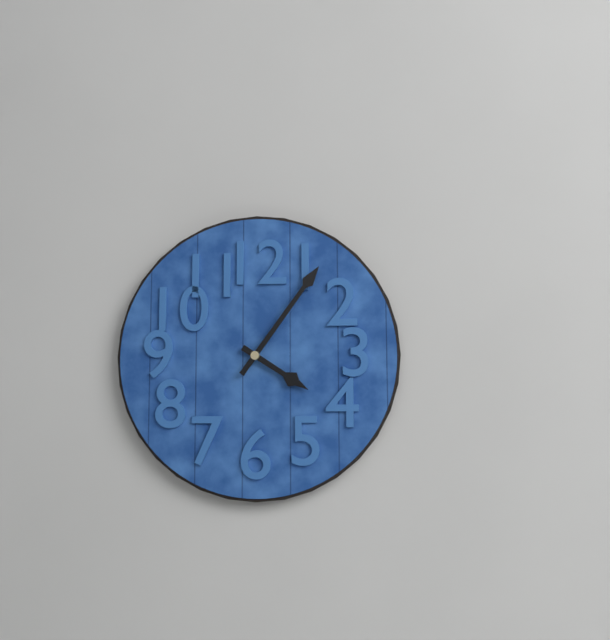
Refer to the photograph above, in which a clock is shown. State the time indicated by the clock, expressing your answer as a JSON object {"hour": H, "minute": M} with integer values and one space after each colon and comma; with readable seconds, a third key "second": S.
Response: {"hour": 4, "minute": 6}
